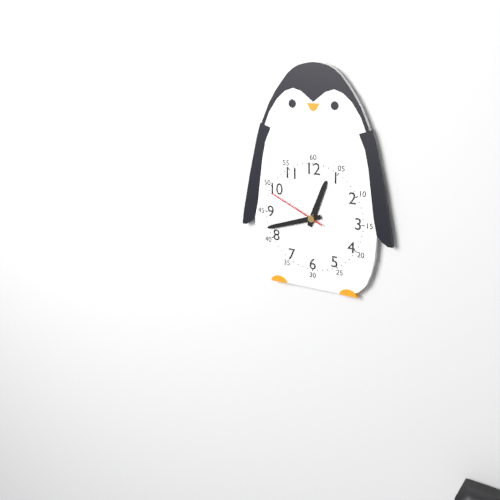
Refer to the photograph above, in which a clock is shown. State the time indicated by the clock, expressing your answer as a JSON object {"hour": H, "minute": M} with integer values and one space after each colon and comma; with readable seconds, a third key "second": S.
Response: {"hour": 12, "minute": 42, "second": 49}
